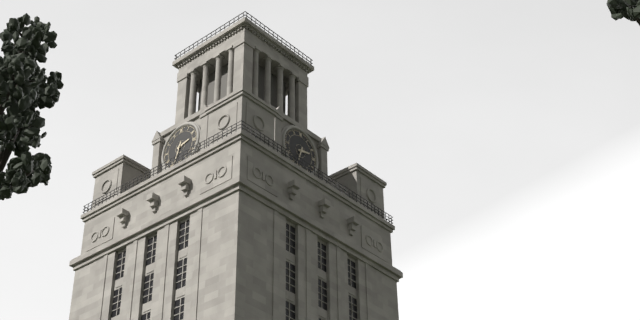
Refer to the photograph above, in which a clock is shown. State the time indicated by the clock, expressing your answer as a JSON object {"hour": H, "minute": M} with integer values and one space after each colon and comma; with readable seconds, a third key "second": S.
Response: {"hour": 2, "minute": 33}
